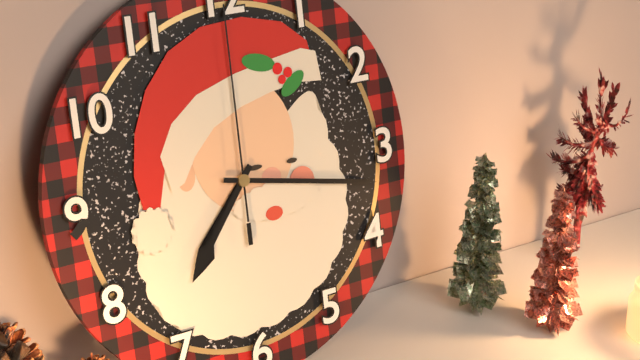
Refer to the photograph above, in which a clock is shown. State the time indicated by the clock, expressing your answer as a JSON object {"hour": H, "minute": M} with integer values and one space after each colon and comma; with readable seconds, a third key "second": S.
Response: {"hour": 7, "minute": 17, "second": 0}
